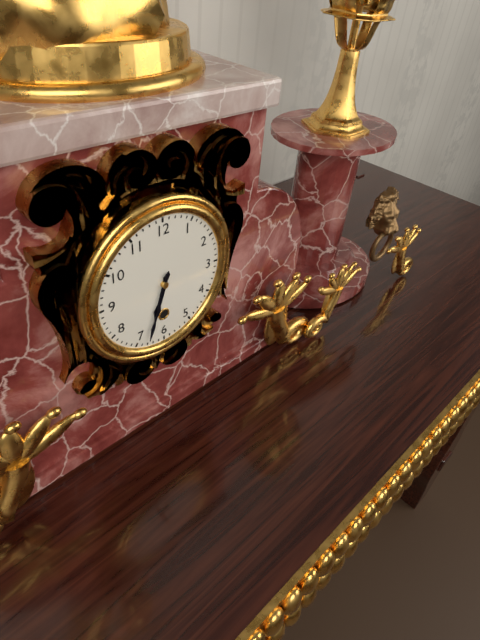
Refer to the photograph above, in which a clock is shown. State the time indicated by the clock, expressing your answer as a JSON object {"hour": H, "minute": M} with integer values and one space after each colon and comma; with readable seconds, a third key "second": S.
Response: {"hour": 6, "minute": 33}
